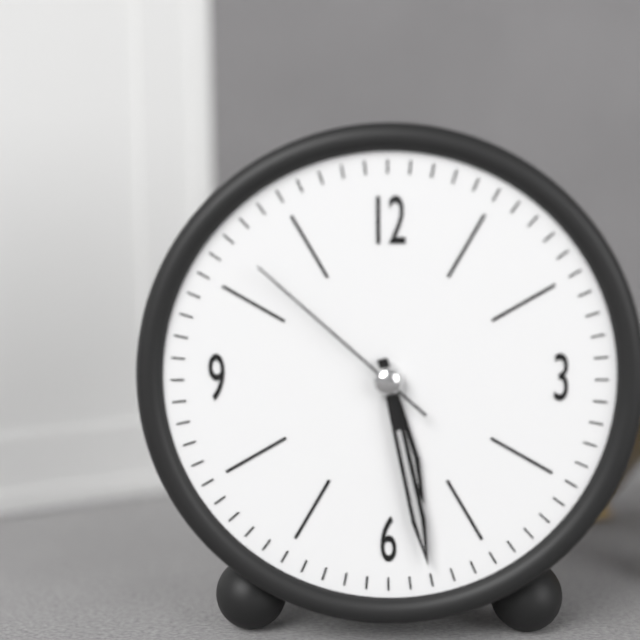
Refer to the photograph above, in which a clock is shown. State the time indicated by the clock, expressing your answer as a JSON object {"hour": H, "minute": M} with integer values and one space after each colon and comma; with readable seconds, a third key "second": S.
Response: {"hour": 5, "minute": 28, "second": 52}
